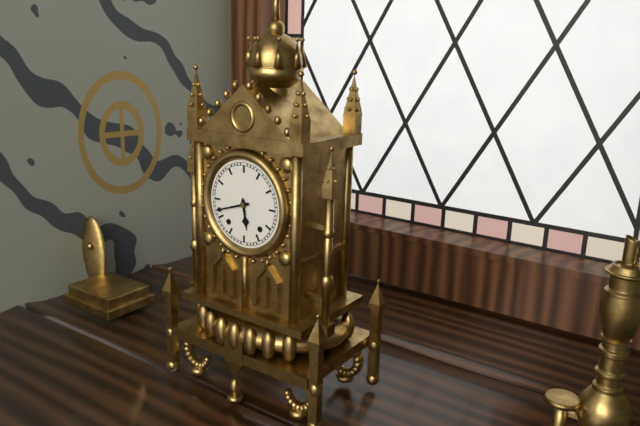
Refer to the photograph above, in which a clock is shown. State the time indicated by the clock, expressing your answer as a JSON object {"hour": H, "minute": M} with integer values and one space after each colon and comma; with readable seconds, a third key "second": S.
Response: {"hour": 5, "minute": 42}
